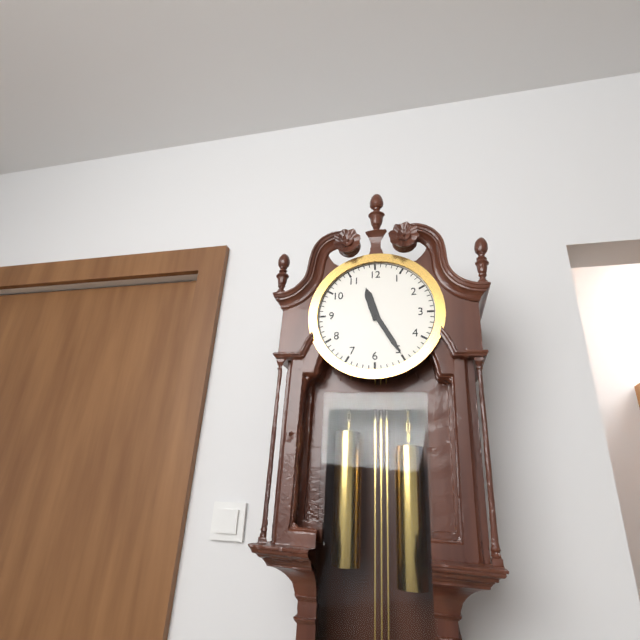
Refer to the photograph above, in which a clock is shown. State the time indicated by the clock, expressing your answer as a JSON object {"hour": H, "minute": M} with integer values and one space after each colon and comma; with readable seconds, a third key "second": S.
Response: {"hour": 11, "minute": 25}
